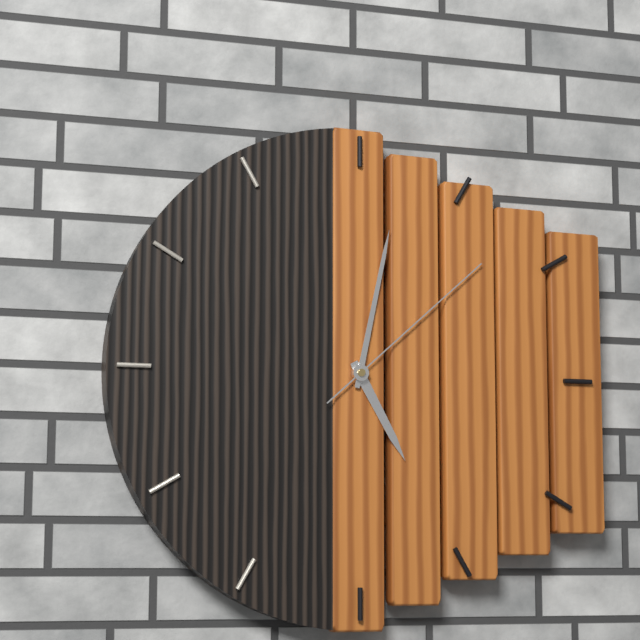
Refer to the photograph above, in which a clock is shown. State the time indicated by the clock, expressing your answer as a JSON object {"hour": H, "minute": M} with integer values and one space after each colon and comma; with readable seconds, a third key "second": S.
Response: {"hour": 5, "minute": 2, "second": 8}
